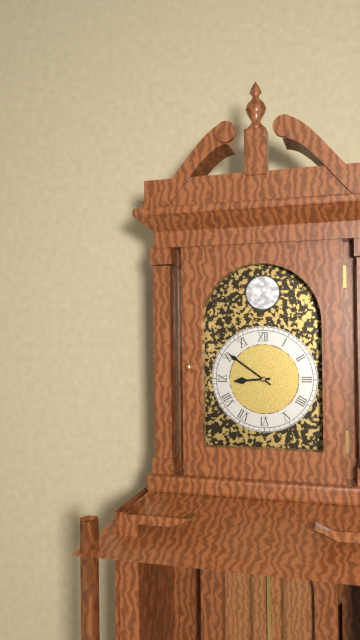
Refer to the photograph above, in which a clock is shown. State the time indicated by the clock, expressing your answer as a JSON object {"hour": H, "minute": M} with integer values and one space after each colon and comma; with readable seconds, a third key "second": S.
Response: {"hour": 8, "minute": 51}
